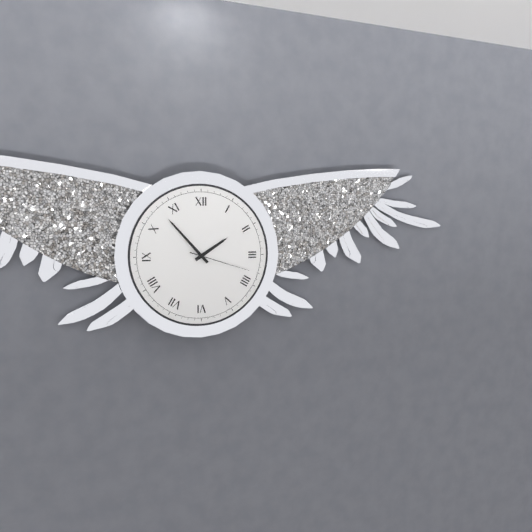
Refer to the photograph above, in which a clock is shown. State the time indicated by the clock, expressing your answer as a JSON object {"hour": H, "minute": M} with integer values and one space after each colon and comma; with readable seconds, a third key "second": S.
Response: {"hour": 1, "minute": 53, "second": 18}
